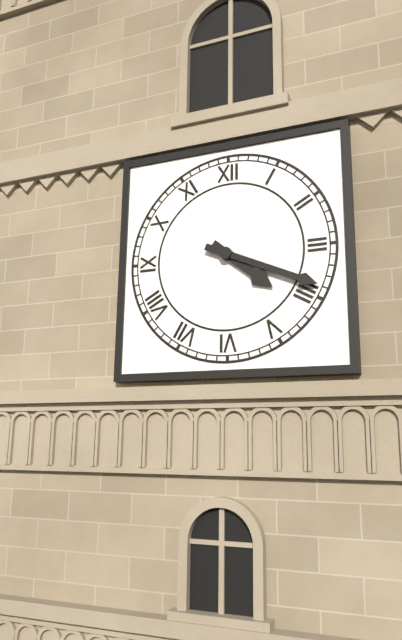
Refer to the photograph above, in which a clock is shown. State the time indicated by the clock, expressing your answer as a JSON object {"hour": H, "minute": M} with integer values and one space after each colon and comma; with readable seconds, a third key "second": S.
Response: {"hour": 4, "minute": 19}
